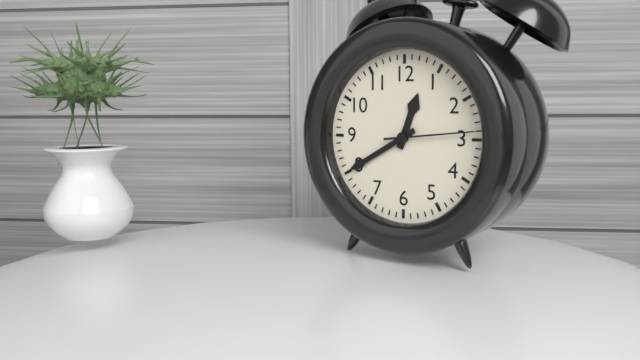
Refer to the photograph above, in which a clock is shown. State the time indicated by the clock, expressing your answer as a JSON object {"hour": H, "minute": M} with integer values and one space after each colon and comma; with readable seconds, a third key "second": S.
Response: {"hour": 12, "minute": 40, "second": 14}
